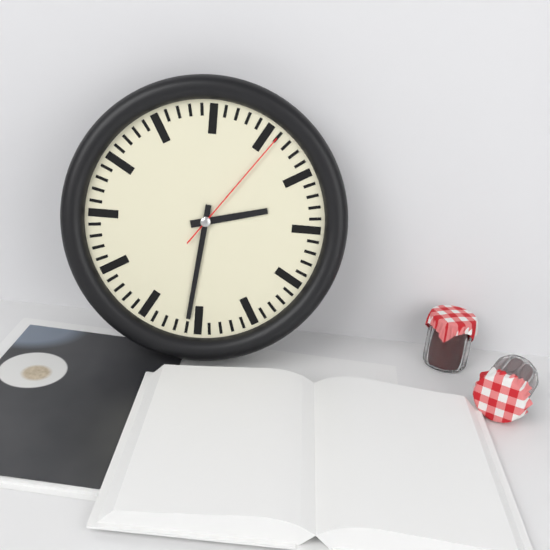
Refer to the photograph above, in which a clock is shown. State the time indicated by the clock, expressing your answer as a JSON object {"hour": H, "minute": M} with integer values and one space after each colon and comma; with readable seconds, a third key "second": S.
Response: {"hour": 2, "minute": 31, "second": 6}
